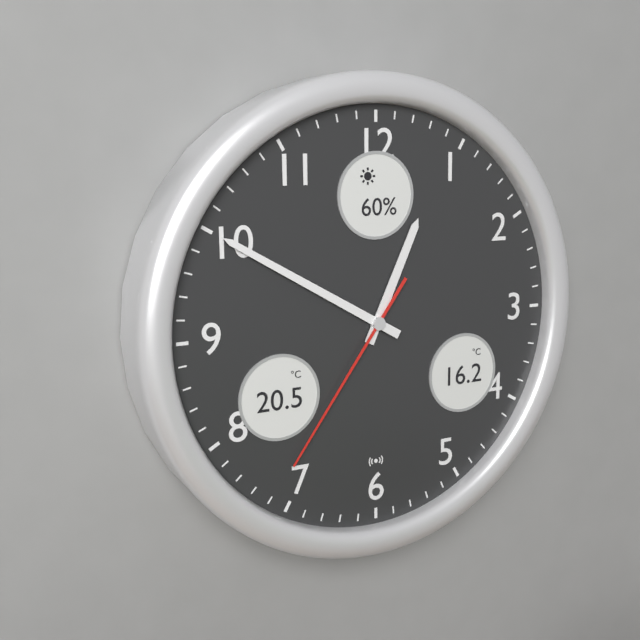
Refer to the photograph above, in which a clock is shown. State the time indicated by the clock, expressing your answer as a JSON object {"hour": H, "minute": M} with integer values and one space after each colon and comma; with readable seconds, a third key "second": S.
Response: {"hour": 12, "minute": 50, "second": 36}
